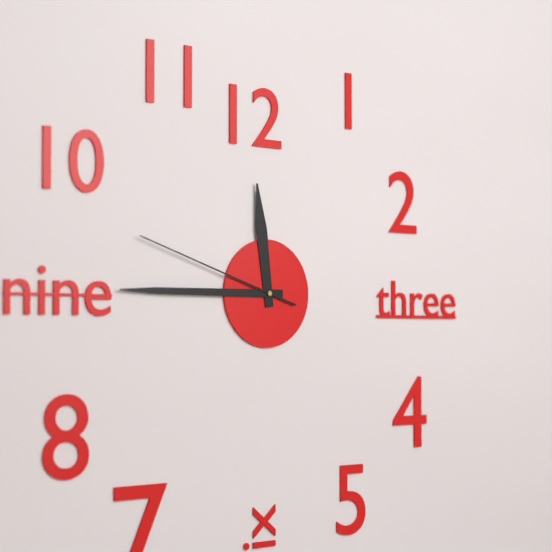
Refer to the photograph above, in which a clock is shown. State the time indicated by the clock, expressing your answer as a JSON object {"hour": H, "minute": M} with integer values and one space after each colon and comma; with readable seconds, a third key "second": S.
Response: {"hour": 11, "minute": 45, "second": 48}
